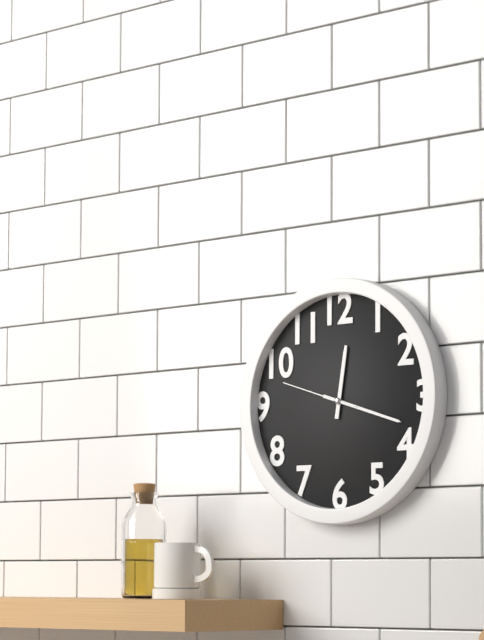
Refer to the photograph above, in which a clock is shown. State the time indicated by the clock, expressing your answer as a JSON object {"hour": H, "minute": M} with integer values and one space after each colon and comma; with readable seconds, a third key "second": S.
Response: {"hour": 12, "minute": 18, "second": 48}
